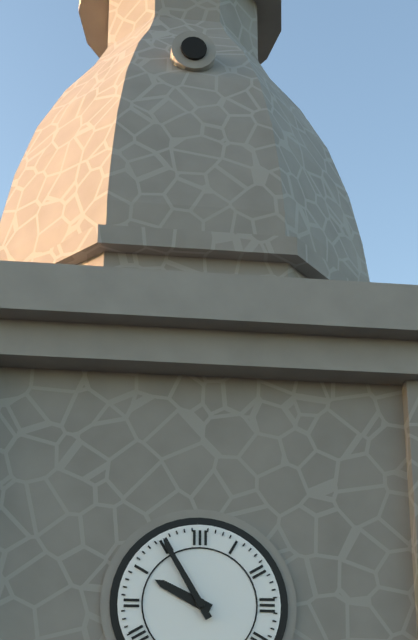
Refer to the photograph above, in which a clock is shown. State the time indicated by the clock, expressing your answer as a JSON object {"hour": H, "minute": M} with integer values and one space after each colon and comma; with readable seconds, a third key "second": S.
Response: {"hour": 9, "minute": 55}
